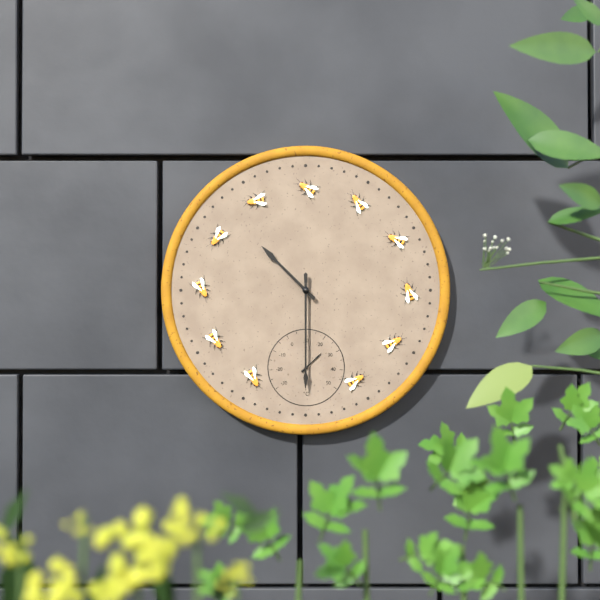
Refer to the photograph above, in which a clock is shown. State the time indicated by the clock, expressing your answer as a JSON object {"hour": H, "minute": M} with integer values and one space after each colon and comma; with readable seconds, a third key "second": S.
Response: {"hour": 10, "minute": 30}
